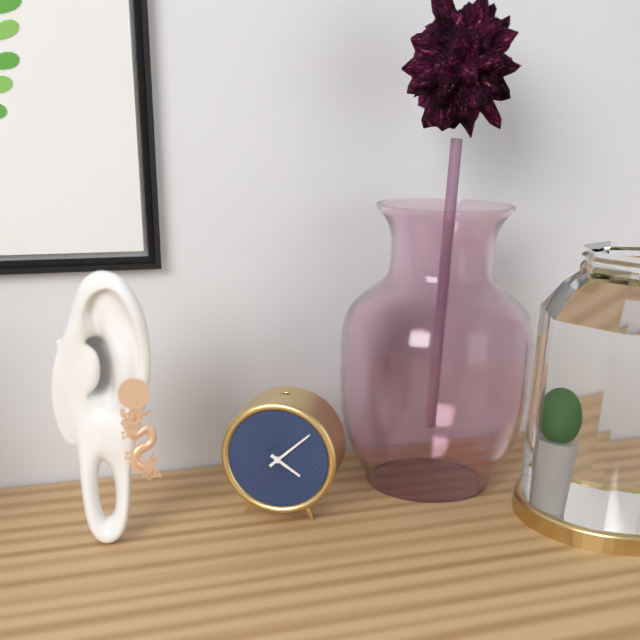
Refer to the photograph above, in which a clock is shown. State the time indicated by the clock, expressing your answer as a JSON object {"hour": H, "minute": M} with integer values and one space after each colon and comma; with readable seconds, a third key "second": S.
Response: {"hour": 4, "minute": 8}
